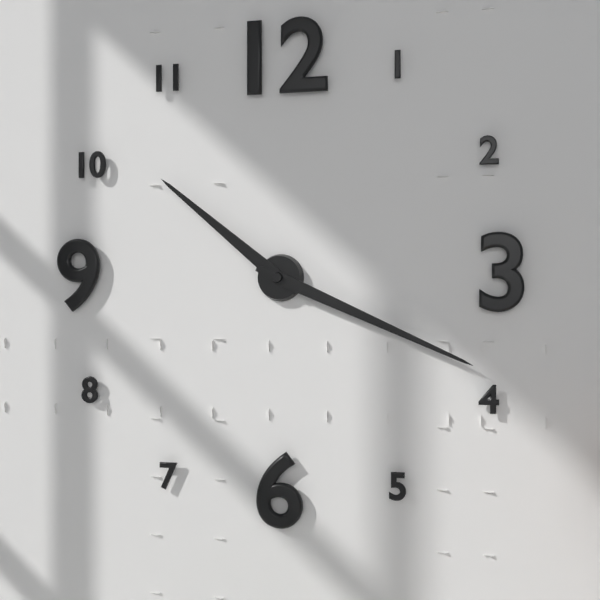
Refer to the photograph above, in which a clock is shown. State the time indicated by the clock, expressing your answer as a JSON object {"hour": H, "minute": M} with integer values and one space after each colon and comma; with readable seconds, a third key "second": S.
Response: {"hour": 10, "minute": 19}
